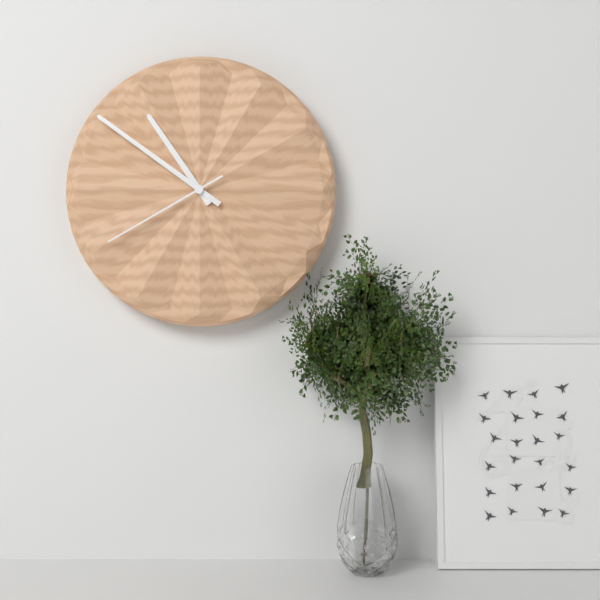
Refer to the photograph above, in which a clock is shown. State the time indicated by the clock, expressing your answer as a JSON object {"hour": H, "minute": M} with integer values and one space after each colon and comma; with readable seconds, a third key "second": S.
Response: {"hour": 10, "minute": 51, "second": 40}
